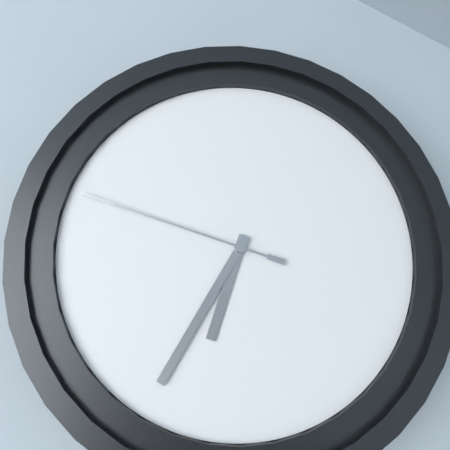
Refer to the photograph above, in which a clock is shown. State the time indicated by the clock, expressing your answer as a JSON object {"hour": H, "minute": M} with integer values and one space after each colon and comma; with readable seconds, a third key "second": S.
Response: {"hour": 6, "minute": 35, "second": 48}
